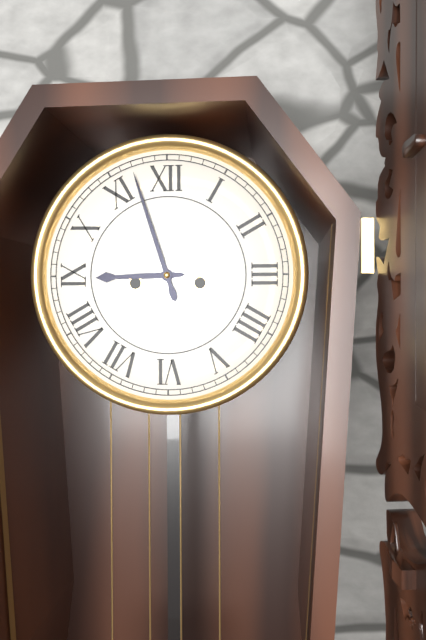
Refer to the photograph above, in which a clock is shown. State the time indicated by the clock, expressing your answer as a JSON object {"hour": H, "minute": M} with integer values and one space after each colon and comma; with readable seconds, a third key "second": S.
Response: {"hour": 8, "minute": 57}
